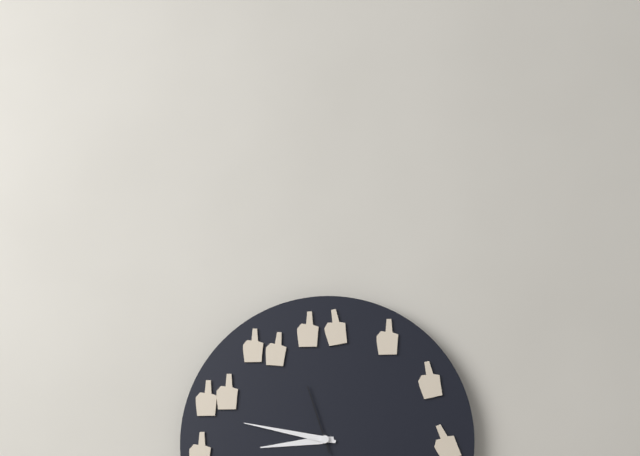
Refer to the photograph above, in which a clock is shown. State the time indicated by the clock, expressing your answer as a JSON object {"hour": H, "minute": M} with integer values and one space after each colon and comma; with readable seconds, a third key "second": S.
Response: {"hour": 8, "minute": 47, "second": 57}
